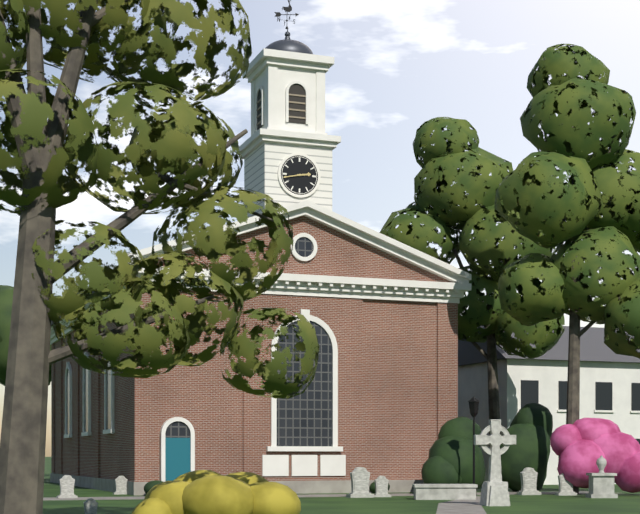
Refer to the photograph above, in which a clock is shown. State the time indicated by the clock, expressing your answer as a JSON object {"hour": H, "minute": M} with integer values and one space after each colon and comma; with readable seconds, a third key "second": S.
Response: {"hour": 2, "minute": 43}
